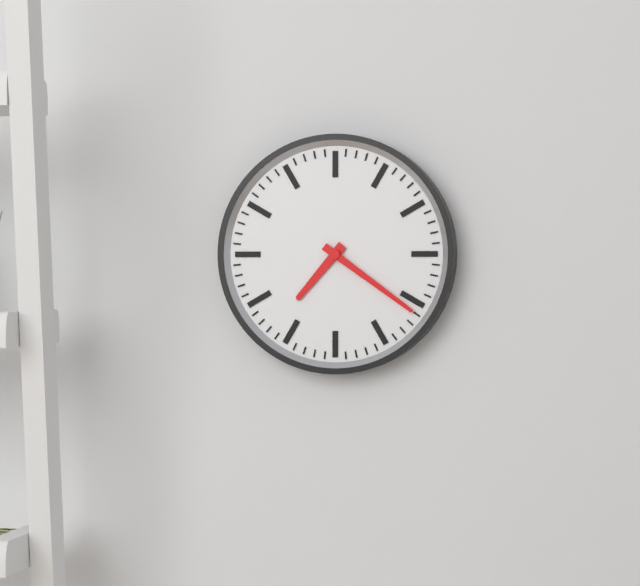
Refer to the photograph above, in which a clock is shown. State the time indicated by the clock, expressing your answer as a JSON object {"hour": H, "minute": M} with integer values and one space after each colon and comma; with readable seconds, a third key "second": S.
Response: {"hour": 7, "minute": 21}
